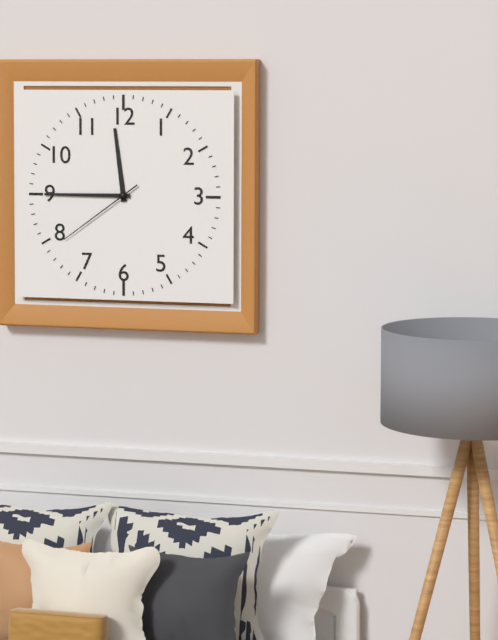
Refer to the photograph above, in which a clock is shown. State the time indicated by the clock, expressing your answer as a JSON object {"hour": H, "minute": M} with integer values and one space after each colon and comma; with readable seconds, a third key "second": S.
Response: {"hour": 11, "minute": 45, "second": 39}
